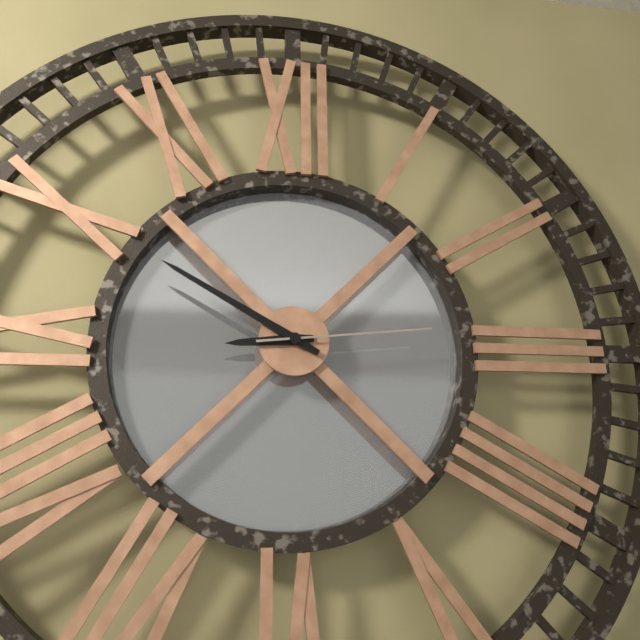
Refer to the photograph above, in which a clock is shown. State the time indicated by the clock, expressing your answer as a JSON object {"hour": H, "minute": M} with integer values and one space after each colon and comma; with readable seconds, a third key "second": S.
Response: {"hour": 8, "minute": 50, "second": 14}
